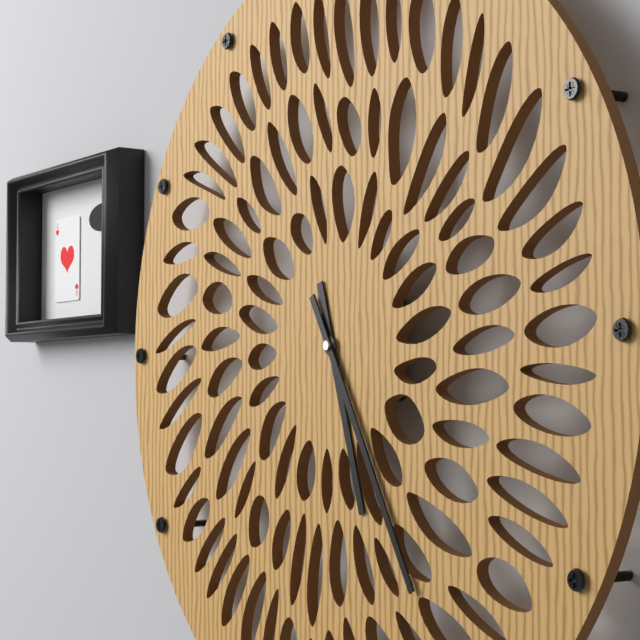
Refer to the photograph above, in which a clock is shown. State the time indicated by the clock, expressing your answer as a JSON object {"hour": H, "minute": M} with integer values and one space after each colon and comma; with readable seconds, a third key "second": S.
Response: {"hour": 5, "minute": 25}
